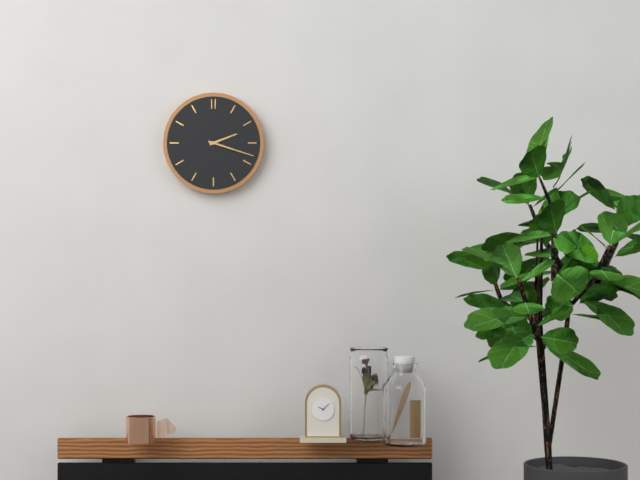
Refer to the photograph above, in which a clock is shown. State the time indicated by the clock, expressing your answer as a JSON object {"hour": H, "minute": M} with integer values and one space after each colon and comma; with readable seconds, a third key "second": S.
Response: {"hour": 2, "minute": 18}
